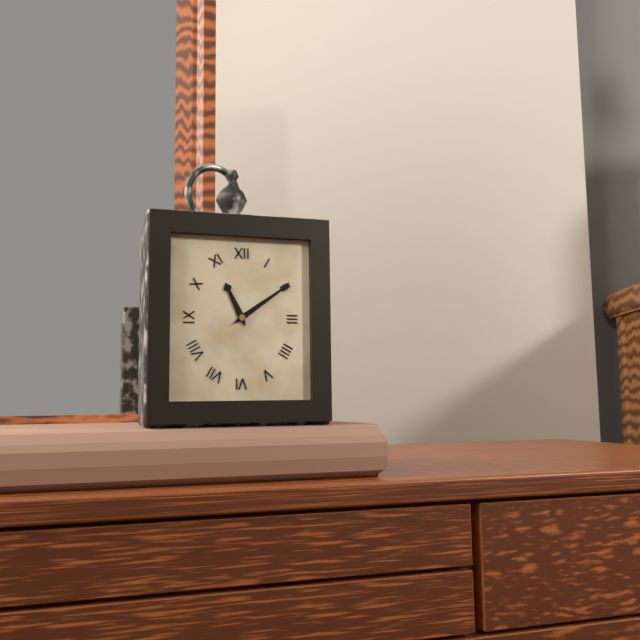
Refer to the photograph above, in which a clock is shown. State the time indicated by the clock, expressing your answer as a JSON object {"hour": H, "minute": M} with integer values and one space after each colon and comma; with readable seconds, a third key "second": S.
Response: {"hour": 11, "minute": 9}
